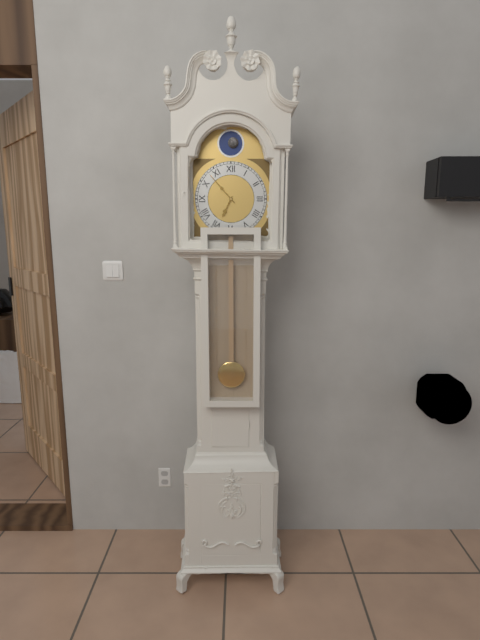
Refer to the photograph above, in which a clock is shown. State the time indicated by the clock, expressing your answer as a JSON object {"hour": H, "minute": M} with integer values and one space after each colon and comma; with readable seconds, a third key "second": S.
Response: {"hour": 6, "minute": 53}
